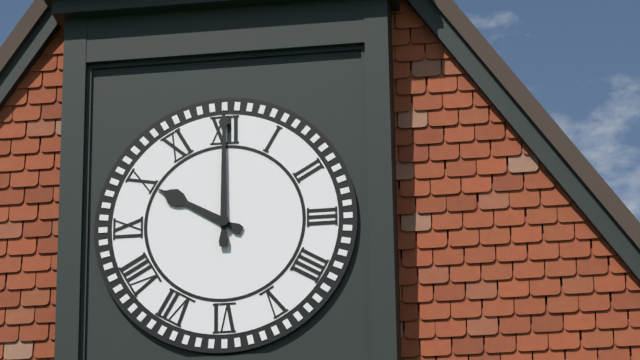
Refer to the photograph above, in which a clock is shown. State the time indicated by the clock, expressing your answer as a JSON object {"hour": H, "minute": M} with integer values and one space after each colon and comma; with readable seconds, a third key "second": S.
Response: {"hour": 10, "minute": 0}
